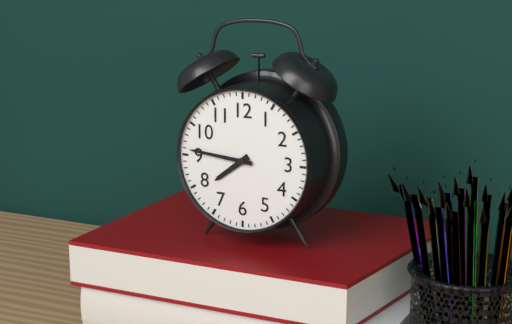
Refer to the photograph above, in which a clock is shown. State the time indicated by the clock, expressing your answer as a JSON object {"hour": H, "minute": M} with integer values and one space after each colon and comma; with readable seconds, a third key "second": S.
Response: {"hour": 7, "minute": 46}
